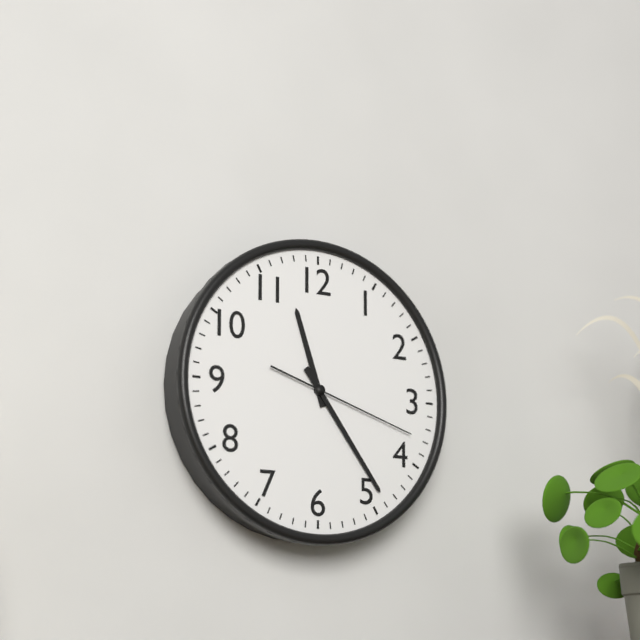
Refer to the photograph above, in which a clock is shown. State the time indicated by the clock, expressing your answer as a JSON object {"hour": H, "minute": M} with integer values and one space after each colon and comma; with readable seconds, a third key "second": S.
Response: {"hour": 11, "minute": 24, "second": 18}
